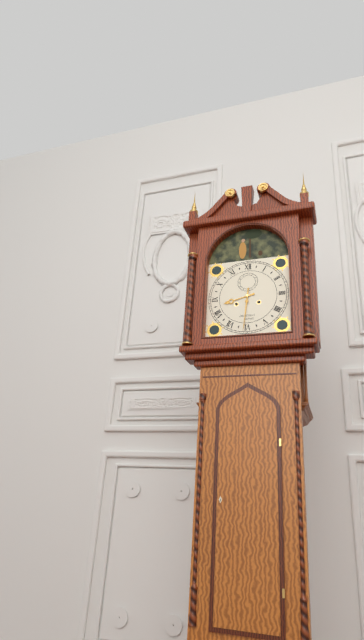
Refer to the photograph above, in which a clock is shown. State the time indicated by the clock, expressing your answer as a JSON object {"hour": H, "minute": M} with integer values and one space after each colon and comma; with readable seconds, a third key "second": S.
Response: {"hour": 8, "minute": 31}
